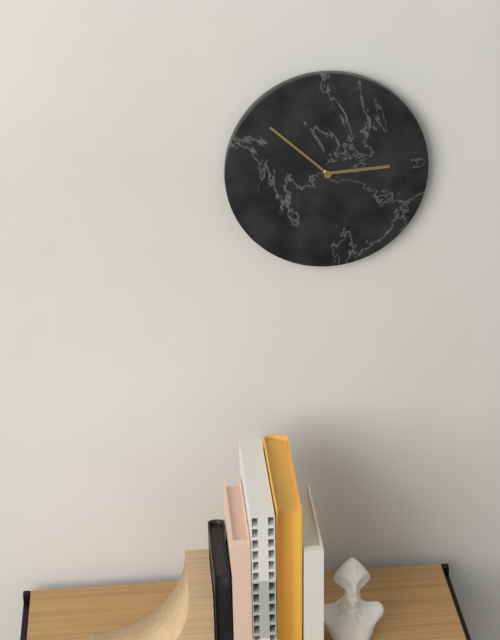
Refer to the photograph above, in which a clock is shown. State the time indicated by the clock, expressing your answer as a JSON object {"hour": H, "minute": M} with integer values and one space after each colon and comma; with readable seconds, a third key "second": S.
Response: {"hour": 2, "minute": 52}
